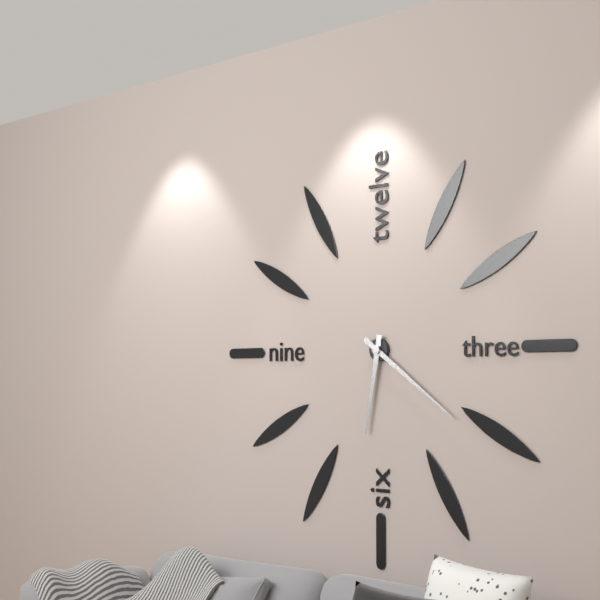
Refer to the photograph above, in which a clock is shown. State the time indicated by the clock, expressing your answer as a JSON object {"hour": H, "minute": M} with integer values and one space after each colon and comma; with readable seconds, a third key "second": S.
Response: {"hour": 6, "minute": 21}
